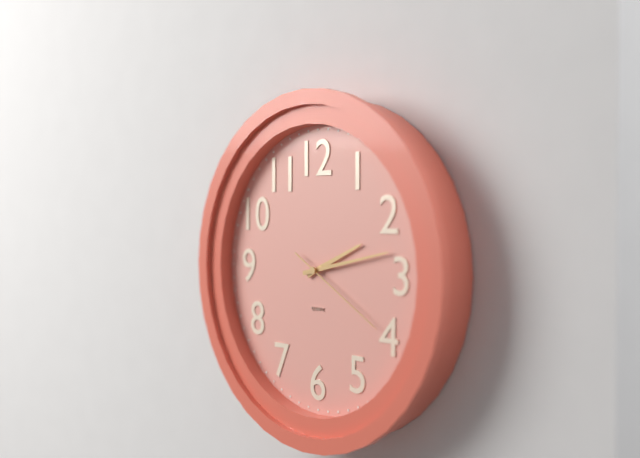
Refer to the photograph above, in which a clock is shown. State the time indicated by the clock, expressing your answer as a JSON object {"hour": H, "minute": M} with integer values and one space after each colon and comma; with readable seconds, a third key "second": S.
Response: {"hour": 2, "minute": 13, "second": 20}
